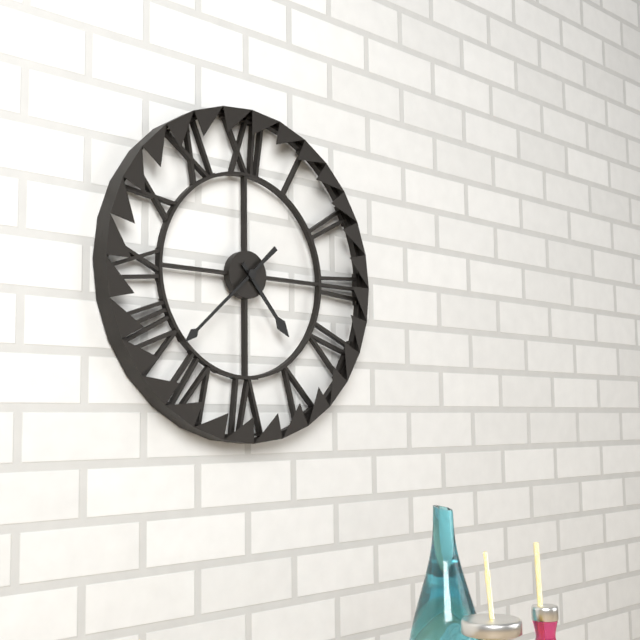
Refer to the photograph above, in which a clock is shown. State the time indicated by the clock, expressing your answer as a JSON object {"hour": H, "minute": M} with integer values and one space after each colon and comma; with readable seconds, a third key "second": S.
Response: {"hour": 4, "minute": 38}
